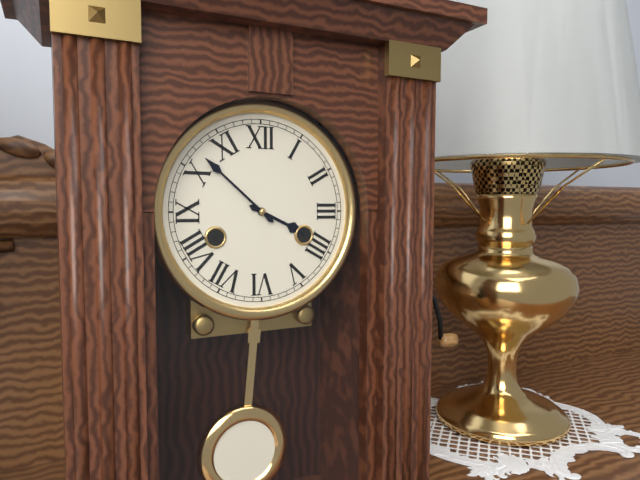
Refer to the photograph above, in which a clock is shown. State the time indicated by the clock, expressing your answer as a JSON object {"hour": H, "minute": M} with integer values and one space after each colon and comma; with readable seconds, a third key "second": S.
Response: {"hour": 3, "minute": 52}
